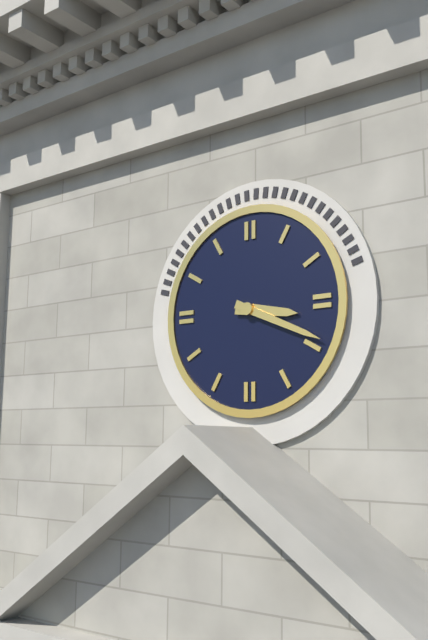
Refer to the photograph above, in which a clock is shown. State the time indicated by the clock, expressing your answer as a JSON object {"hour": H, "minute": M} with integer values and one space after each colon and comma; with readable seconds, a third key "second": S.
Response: {"hour": 3, "minute": 19}
